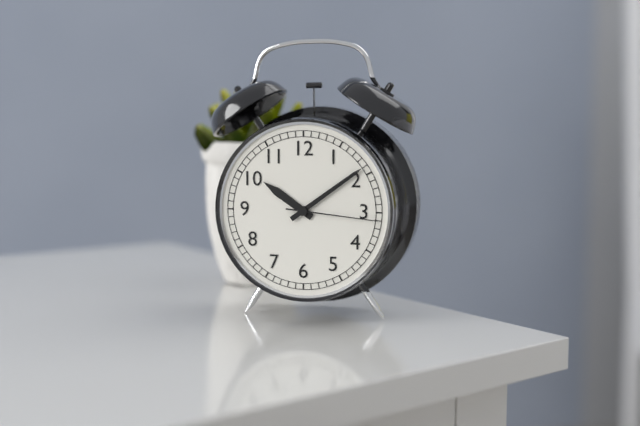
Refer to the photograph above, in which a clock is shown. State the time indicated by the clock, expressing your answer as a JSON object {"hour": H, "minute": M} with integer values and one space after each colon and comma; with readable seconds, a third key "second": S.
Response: {"hour": 10, "minute": 9, "second": 16}
